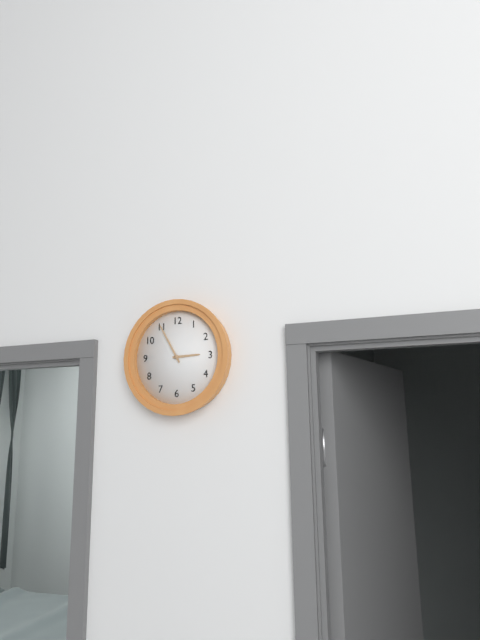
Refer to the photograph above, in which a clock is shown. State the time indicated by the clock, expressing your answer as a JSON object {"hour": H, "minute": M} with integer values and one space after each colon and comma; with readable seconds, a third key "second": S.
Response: {"hour": 2, "minute": 55}
